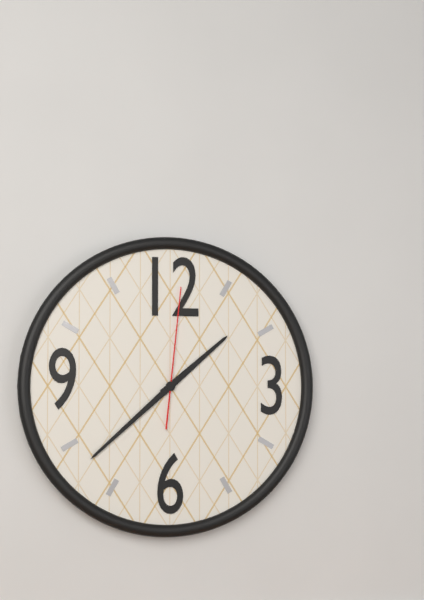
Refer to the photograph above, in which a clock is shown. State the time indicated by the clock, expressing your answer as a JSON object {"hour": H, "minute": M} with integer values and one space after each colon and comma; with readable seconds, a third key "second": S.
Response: {"hour": 1, "minute": 38, "second": 1}
